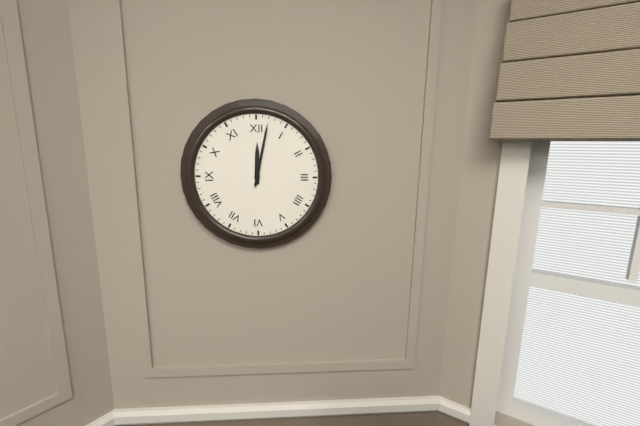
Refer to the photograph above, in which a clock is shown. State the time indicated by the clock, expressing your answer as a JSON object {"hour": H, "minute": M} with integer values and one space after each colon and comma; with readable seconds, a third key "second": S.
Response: {"hour": 12, "minute": 2}
